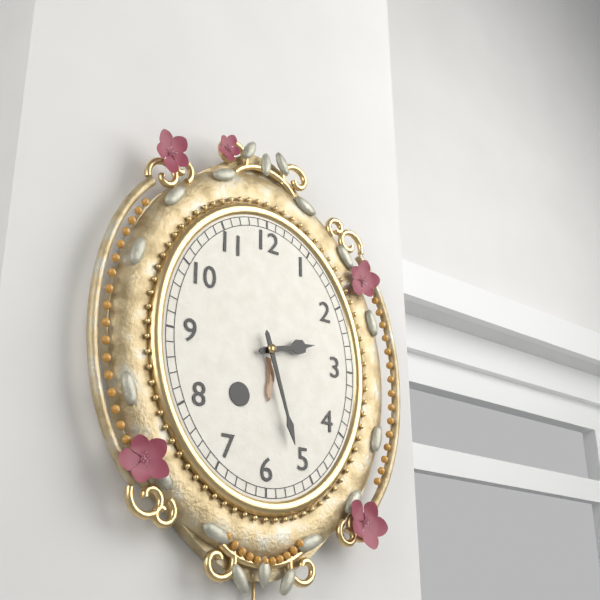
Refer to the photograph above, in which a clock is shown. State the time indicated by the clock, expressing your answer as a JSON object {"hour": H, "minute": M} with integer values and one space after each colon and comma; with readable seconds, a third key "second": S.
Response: {"hour": 2, "minute": 27}
